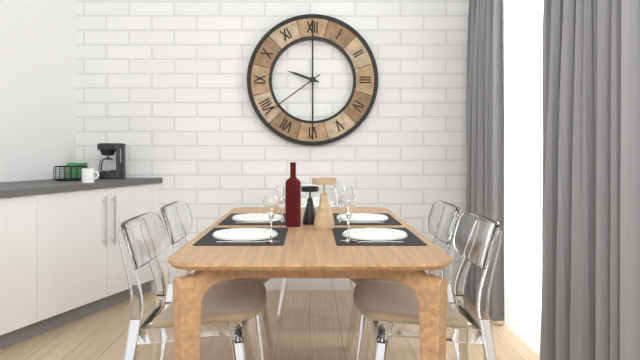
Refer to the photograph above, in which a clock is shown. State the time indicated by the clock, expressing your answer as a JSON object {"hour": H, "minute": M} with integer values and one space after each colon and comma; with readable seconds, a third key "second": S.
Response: {"hour": 9, "minute": 39}
